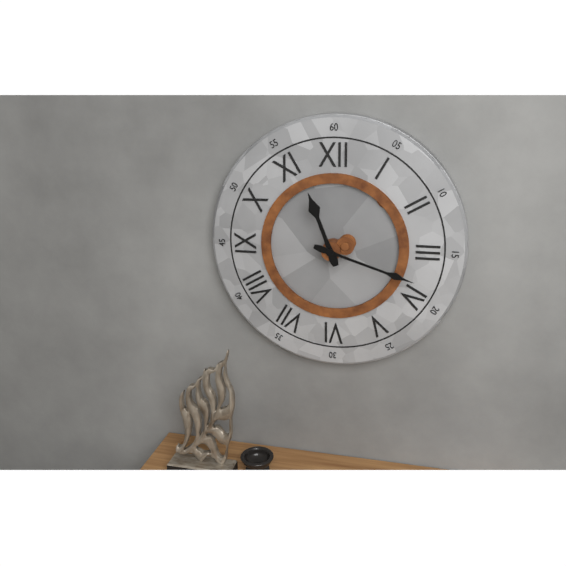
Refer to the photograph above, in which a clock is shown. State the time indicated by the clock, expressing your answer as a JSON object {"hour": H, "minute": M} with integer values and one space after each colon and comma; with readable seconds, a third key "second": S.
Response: {"hour": 11, "minute": 18}
